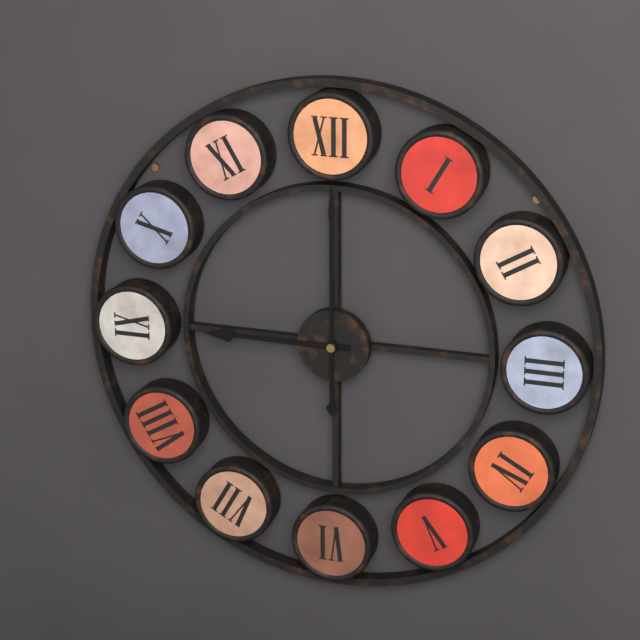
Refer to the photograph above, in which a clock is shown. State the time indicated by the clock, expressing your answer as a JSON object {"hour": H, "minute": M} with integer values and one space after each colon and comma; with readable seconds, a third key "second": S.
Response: {"hour": 9, "minute": 0}
